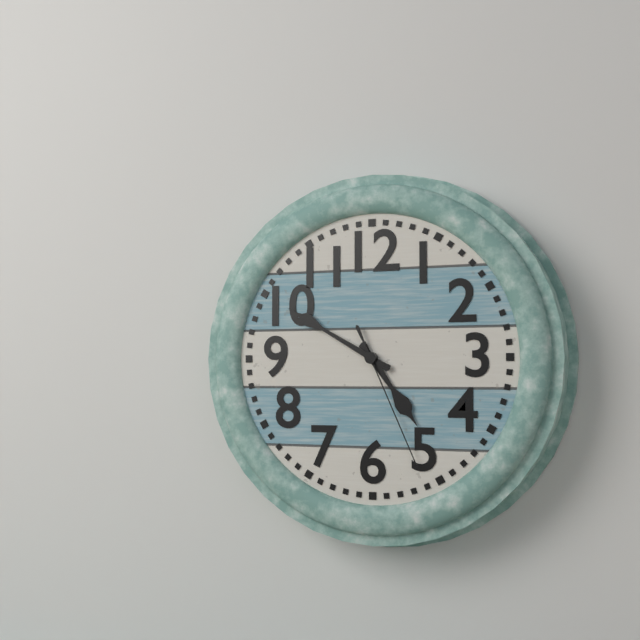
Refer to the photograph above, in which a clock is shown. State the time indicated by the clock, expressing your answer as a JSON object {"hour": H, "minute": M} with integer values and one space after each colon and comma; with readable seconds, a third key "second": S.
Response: {"hour": 4, "minute": 50, "second": 26}
